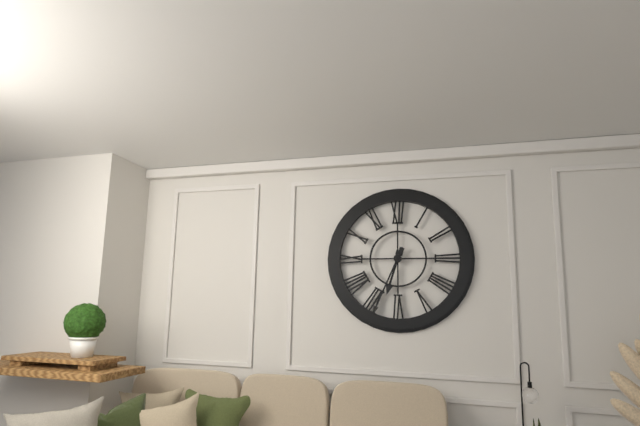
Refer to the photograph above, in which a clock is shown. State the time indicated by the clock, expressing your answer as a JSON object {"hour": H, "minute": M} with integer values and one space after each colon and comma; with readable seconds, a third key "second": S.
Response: {"hour": 6, "minute": 34}
